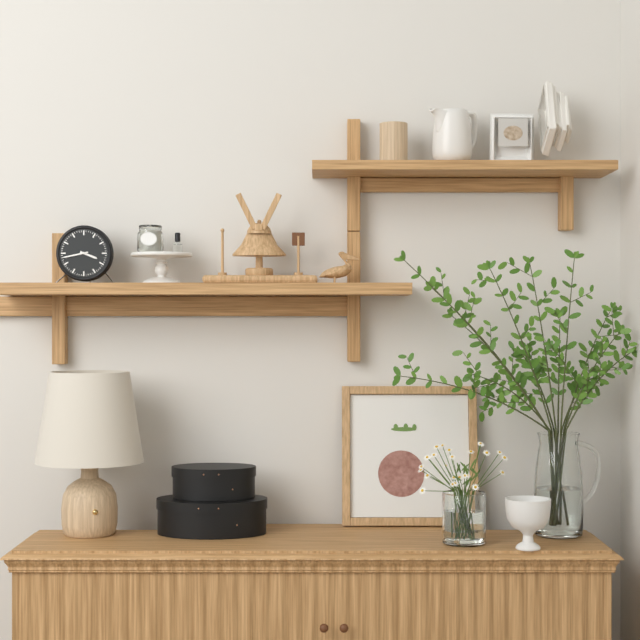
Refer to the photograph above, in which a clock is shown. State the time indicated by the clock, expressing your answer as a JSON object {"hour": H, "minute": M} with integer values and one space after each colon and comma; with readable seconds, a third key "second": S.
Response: {"hour": 3, "minute": 43}
